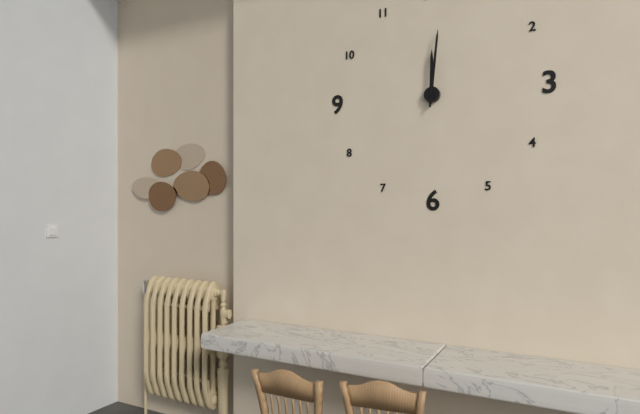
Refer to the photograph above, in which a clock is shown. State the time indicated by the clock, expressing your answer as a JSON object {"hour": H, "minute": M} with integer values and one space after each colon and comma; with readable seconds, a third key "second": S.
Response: {"hour": 12, "minute": 1}
